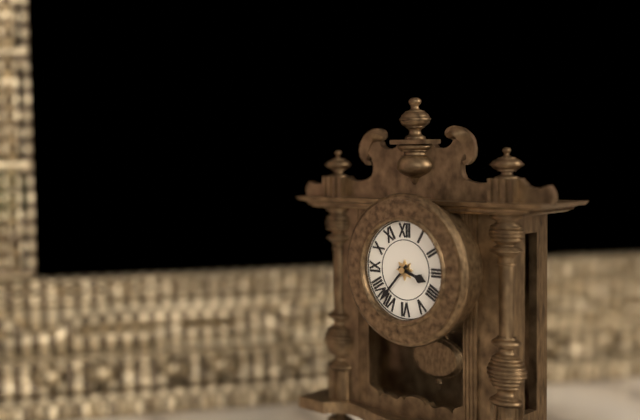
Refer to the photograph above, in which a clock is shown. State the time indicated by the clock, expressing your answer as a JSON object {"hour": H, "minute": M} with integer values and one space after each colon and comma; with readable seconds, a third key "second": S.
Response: {"hour": 3, "minute": 37}
